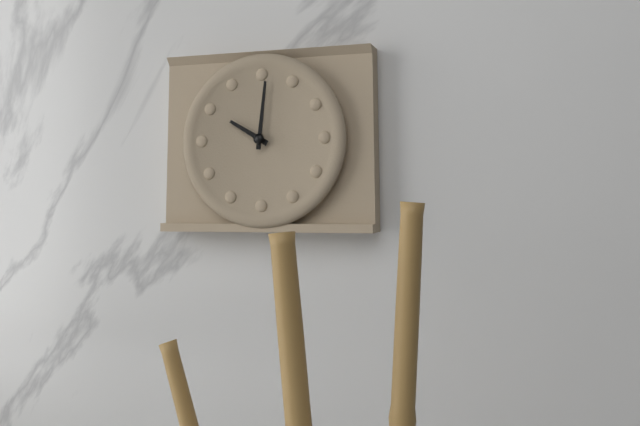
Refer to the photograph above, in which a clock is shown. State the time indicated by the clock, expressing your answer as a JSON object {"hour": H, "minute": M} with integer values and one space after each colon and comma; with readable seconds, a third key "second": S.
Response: {"hour": 10, "minute": 1}
